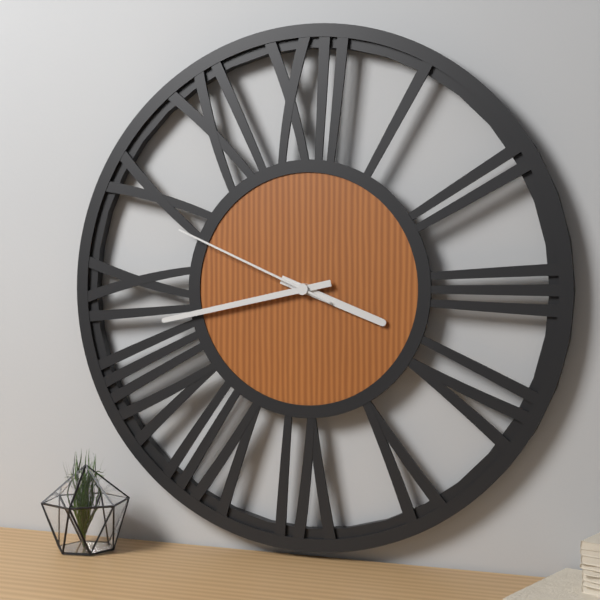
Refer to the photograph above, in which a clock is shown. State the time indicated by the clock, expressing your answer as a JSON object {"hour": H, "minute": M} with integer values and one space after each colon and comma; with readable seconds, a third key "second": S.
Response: {"hour": 3, "minute": 43, "second": 49}
